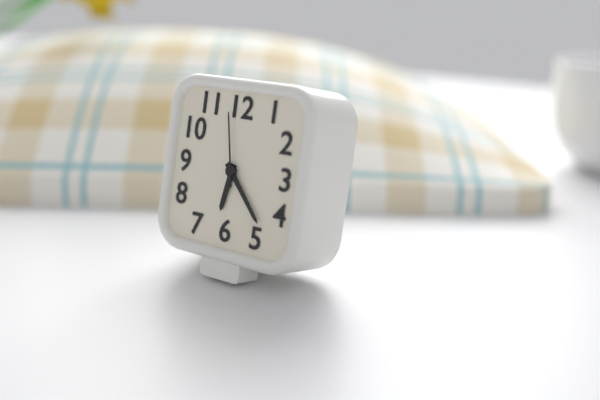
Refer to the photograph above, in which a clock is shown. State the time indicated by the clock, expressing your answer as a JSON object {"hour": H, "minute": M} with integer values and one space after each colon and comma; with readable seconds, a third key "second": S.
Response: {"hour": 6, "minute": 23, "second": 58}
